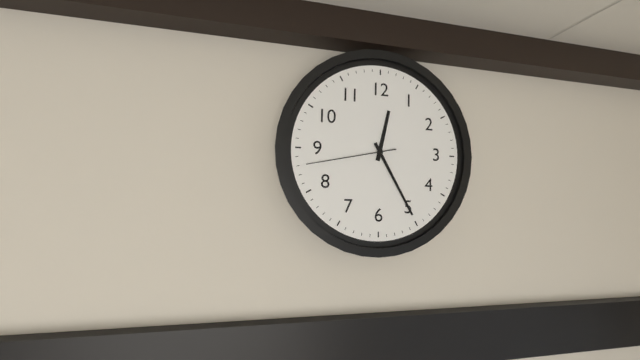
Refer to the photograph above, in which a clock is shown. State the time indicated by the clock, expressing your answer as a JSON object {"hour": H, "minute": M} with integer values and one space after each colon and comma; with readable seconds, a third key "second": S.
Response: {"hour": 12, "minute": 25, "second": 43}
